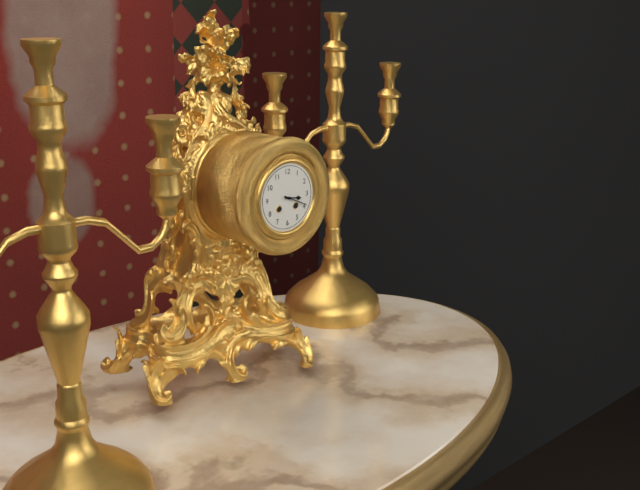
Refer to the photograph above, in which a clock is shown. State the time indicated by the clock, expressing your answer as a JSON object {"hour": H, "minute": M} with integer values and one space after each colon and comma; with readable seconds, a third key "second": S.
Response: {"hour": 3, "minute": 19}
